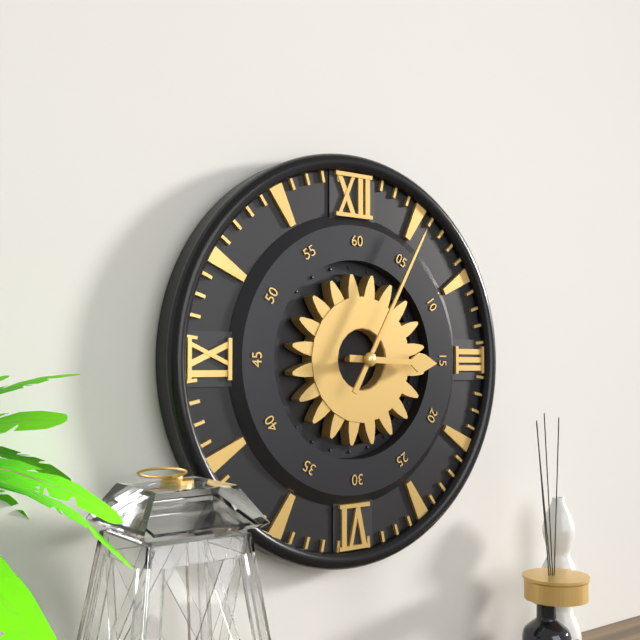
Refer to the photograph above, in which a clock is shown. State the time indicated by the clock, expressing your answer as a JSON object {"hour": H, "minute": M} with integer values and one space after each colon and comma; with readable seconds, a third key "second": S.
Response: {"hour": 3, "minute": 5}
